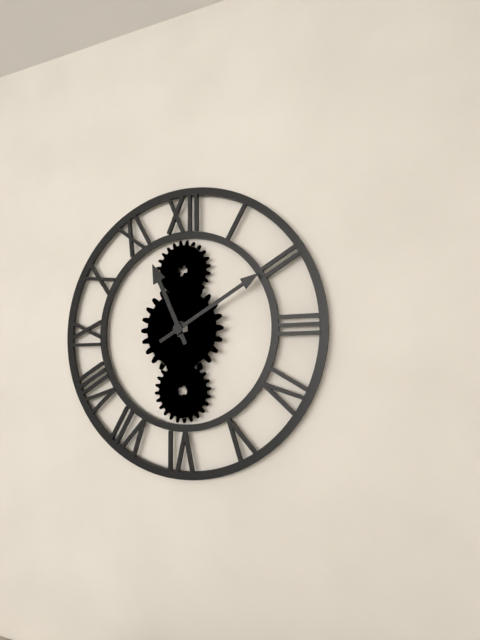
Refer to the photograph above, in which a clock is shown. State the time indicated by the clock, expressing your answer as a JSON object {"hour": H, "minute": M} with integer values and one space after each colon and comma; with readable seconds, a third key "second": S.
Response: {"hour": 11, "minute": 10}
